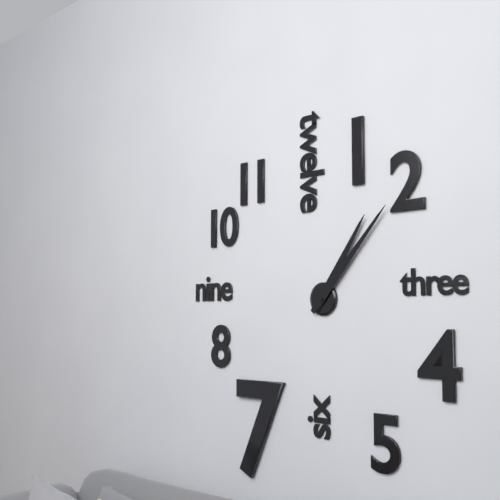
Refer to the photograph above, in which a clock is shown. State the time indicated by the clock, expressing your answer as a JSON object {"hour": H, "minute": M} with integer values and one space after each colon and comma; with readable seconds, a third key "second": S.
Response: {"hour": 1, "minute": 7}
